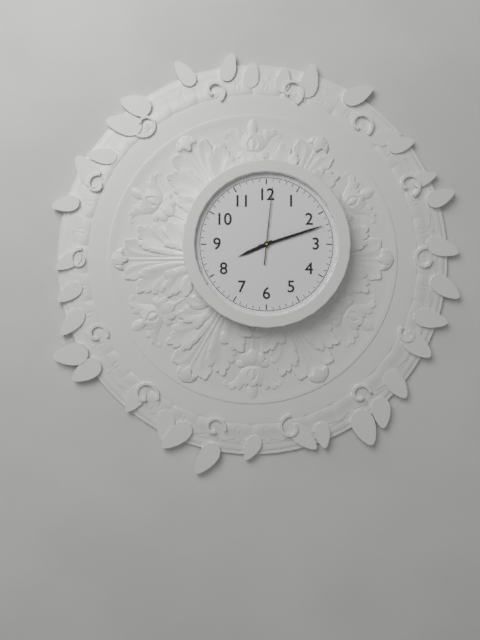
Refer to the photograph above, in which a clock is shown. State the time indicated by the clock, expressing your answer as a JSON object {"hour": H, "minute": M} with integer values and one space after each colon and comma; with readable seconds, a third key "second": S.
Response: {"hour": 8, "minute": 12, "second": 1}
